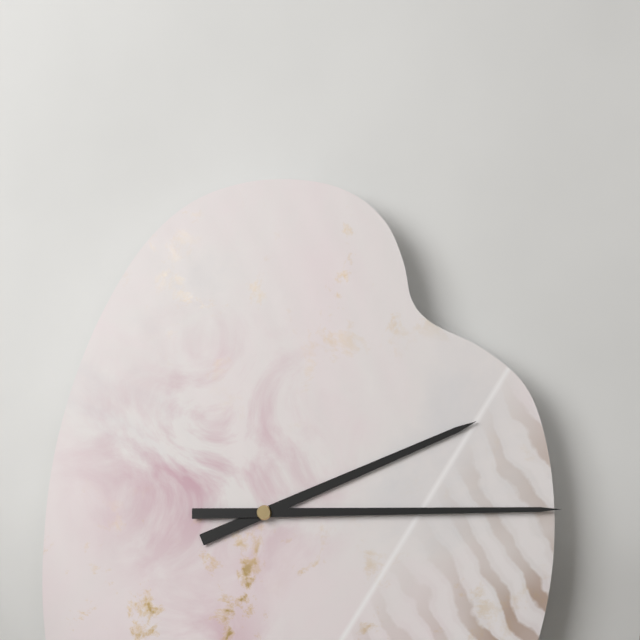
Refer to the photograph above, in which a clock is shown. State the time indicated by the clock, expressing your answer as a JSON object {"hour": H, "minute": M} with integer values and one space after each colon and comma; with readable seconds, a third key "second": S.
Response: {"hour": 2, "minute": 15}
